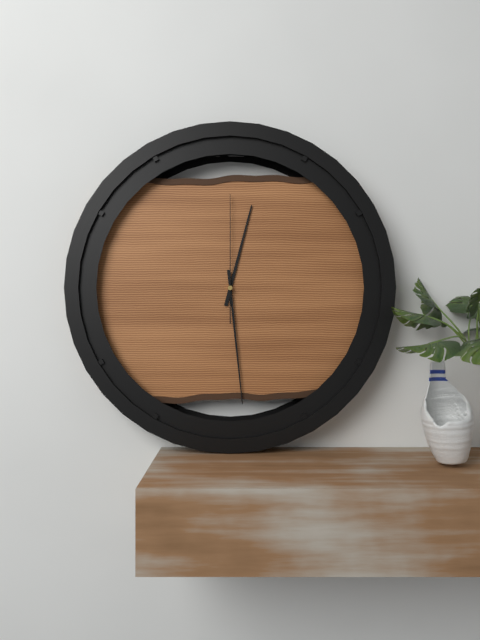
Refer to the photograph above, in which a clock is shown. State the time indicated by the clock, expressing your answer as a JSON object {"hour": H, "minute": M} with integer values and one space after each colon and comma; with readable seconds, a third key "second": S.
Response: {"hour": 12, "minute": 29, "second": 0}
